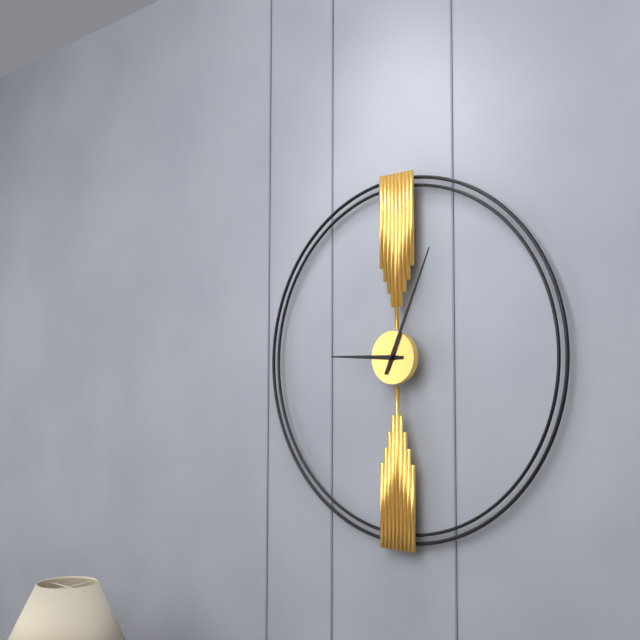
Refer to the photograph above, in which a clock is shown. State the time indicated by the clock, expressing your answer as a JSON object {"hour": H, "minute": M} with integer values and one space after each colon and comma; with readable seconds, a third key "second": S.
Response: {"hour": 9, "minute": 4}
